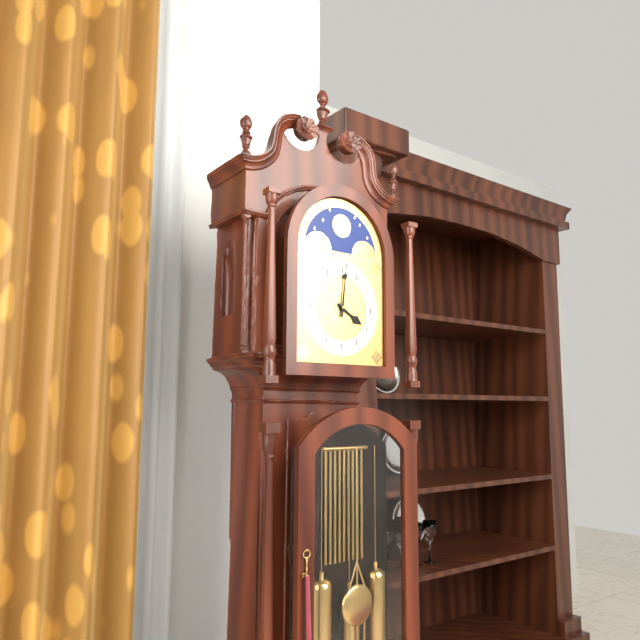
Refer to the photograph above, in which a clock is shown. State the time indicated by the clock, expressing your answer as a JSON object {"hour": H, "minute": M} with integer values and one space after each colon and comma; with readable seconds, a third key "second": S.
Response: {"hour": 4, "minute": 1}
